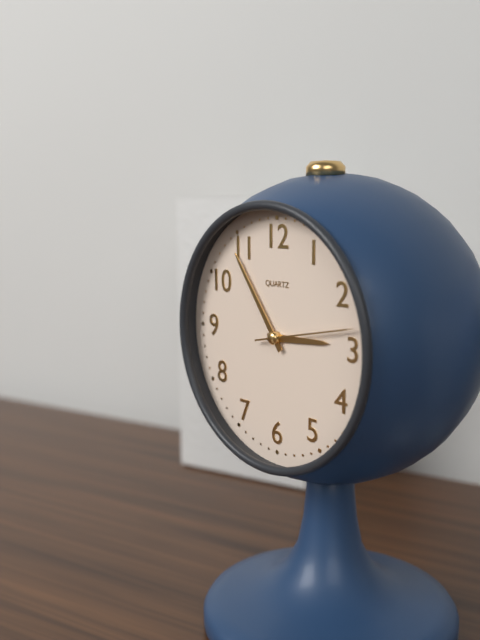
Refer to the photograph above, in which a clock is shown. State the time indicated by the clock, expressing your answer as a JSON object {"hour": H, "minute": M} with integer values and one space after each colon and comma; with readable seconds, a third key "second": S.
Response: {"hour": 2, "minute": 54, "second": 13}
